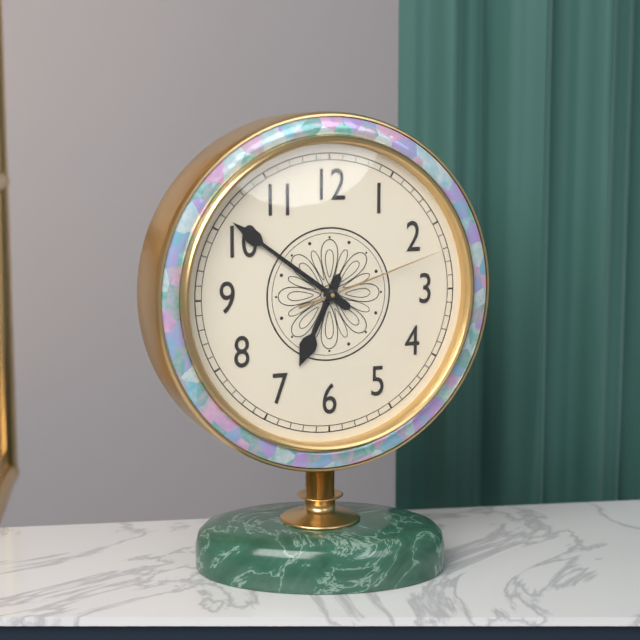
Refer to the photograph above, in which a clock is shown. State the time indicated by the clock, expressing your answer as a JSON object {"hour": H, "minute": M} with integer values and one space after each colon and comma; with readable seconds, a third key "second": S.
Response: {"hour": 6, "minute": 51, "second": 12}
